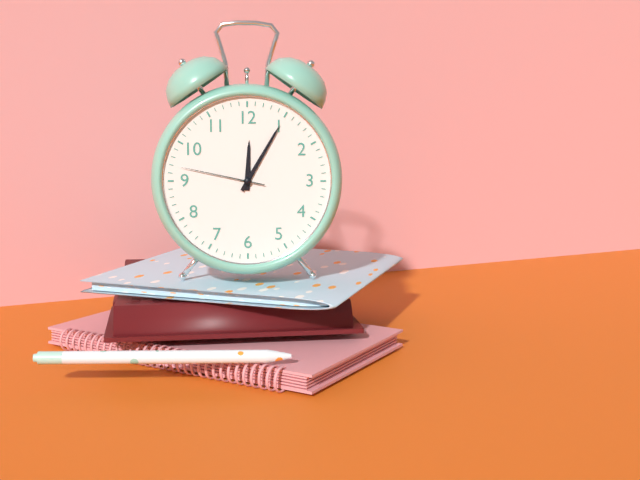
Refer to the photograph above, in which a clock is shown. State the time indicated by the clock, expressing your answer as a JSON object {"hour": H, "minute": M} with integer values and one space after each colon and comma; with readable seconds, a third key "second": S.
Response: {"hour": 12, "minute": 5, "second": 47}
